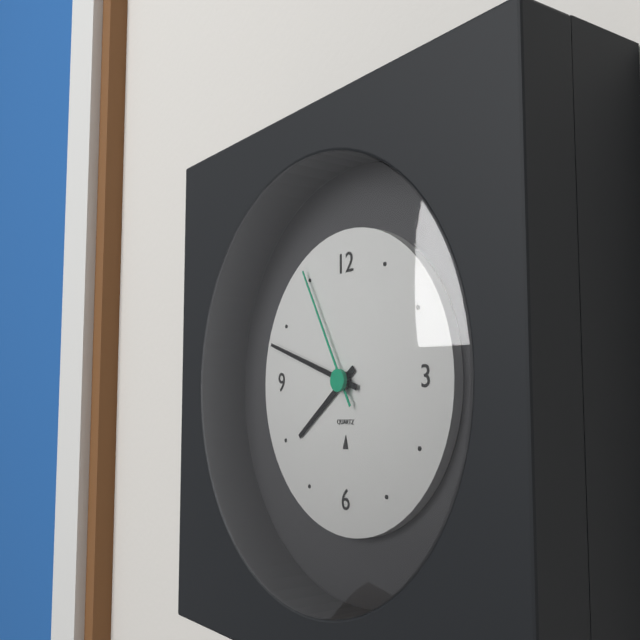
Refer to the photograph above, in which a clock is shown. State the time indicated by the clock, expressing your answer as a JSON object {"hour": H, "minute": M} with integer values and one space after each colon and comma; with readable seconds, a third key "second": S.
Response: {"hour": 7, "minute": 48, "second": 55}
